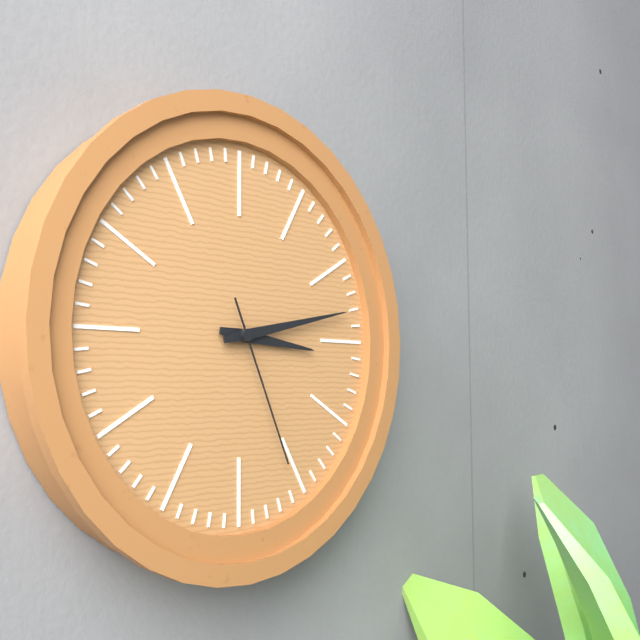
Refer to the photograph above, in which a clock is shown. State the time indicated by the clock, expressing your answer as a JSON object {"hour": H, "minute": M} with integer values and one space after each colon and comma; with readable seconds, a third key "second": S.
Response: {"hour": 3, "minute": 13, "second": 26}
